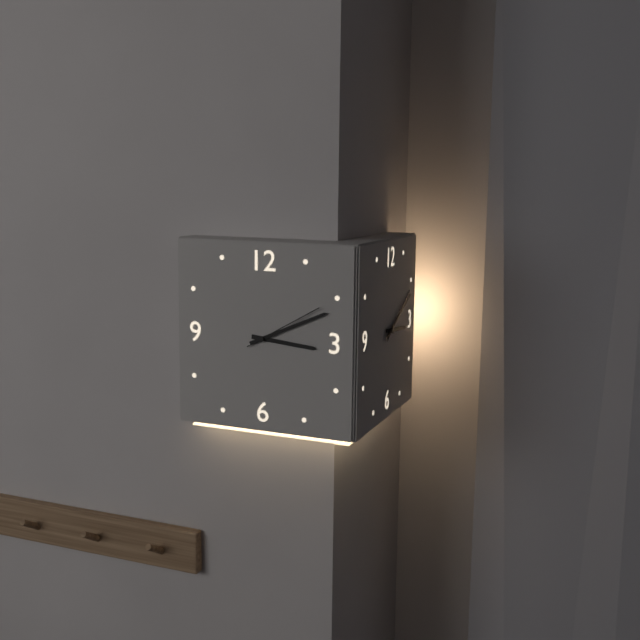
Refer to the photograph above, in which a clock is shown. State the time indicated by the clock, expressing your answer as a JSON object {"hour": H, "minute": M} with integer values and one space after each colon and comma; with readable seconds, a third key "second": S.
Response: {"hour": 3, "minute": 11, "second": 10}
